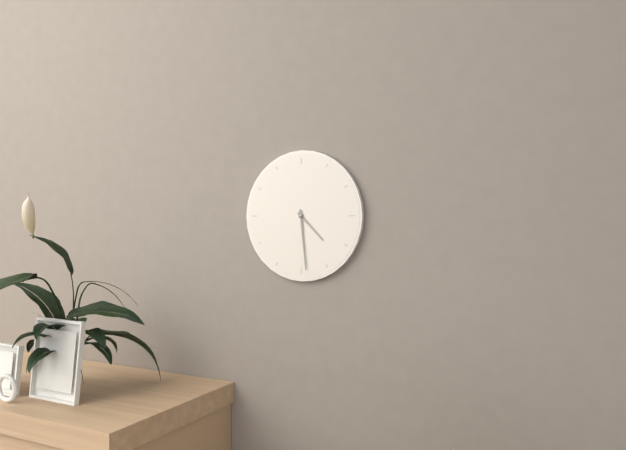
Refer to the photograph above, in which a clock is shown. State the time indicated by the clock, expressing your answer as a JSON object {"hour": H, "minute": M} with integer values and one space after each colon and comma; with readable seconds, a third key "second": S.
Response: {"hour": 4, "minute": 29}
